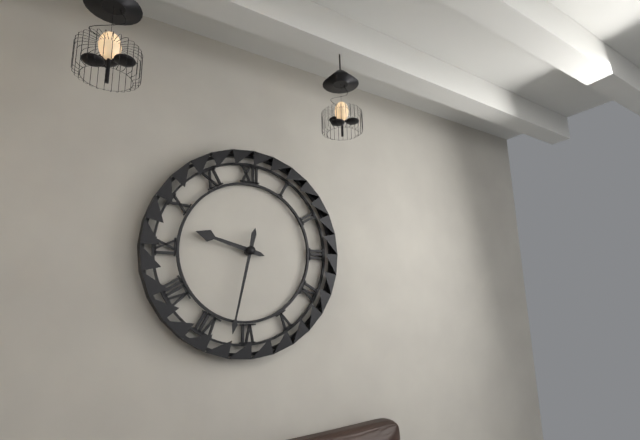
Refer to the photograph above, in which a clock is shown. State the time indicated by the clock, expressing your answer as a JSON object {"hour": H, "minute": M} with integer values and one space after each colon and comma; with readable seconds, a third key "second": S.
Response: {"hour": 9, "minute": 32}
